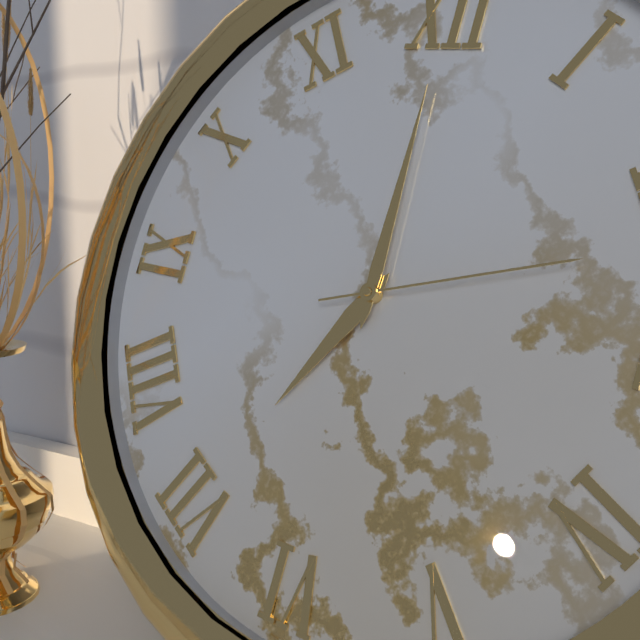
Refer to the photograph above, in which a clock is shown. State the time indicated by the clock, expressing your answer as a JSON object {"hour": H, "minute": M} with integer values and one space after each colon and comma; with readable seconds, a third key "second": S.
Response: {"hour": 7, "minute": 0, "second": 12}
